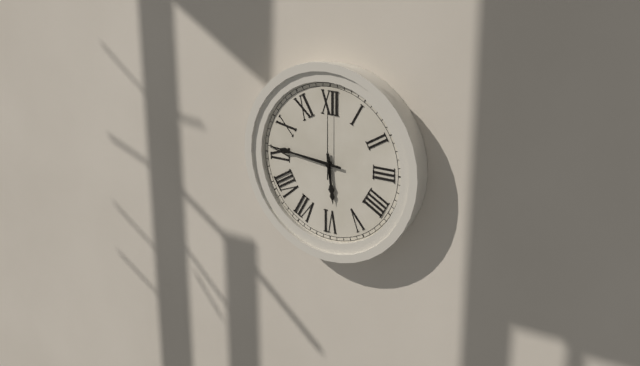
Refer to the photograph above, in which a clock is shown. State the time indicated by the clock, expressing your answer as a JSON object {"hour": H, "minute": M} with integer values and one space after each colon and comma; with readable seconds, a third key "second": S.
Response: {"hour": 5, "minute": 46, "second": 0}
